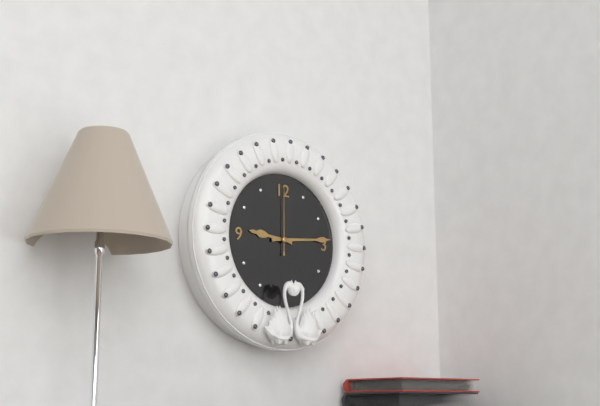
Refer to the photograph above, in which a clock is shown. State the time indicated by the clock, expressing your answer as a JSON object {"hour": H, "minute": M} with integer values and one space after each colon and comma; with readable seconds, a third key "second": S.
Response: {"hour": 9, "minute": 14, "second": 0}
